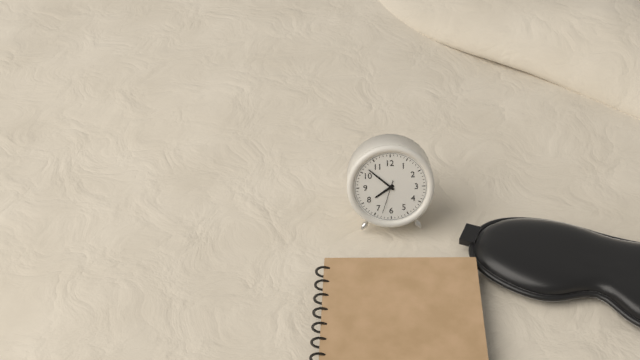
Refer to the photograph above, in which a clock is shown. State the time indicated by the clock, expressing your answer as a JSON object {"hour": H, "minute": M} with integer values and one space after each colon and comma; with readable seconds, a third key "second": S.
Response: {"hour": 7, "minute": 52}
